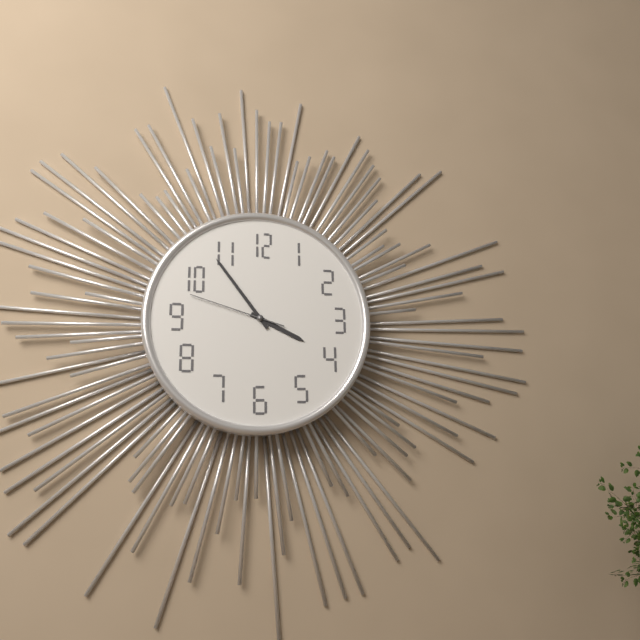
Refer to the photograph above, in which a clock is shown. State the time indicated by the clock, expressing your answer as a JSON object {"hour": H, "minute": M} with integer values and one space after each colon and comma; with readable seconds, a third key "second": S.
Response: {"hour": 3, "minute": 54, "second": 48}
